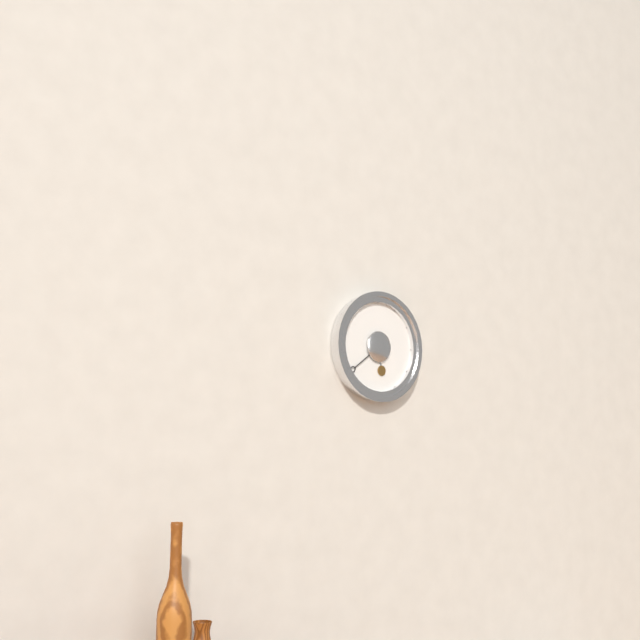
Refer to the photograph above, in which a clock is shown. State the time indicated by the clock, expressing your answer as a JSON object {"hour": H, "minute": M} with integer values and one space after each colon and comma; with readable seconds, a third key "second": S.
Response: {"hour": 5, "minute": 39}
